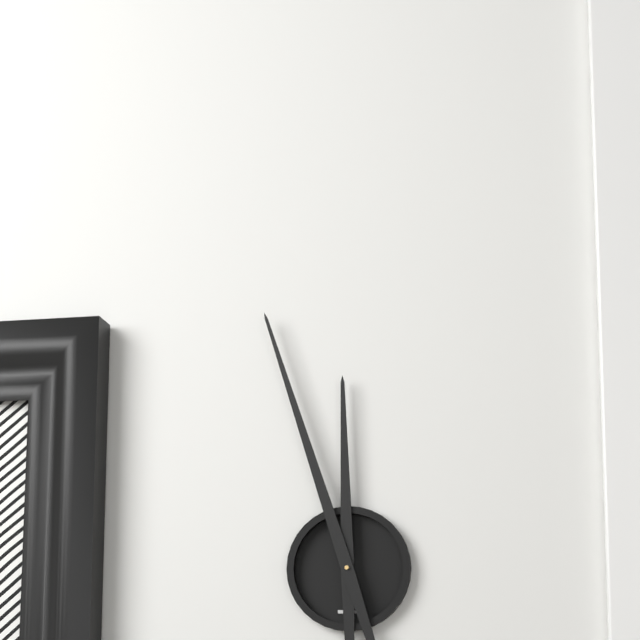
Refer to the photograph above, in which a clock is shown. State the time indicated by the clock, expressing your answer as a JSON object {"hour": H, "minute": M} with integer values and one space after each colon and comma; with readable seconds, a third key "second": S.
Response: {"hour": 11, "minute": 57}
